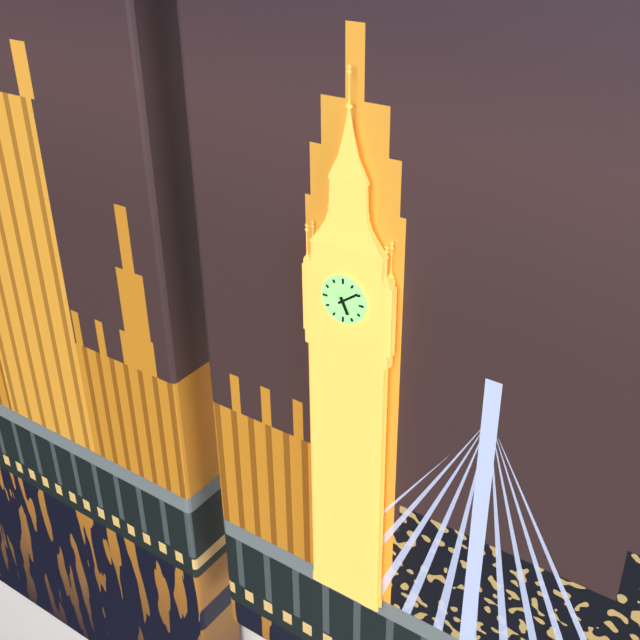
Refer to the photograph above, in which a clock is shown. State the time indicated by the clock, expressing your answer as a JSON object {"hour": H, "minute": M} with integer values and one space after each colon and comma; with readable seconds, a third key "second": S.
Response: {"hour": 5, "minute": 9}
